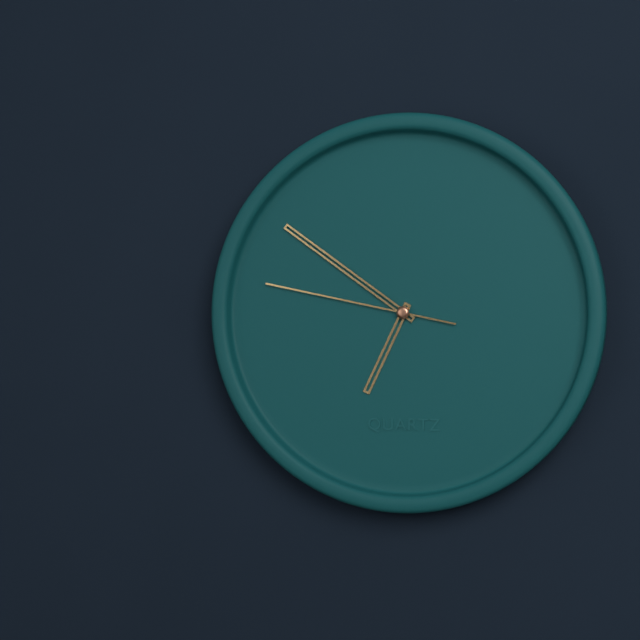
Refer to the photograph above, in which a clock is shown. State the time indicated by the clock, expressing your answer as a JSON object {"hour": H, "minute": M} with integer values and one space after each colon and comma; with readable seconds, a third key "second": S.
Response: {"hour": 6, "minute": 51, "second": 47}
